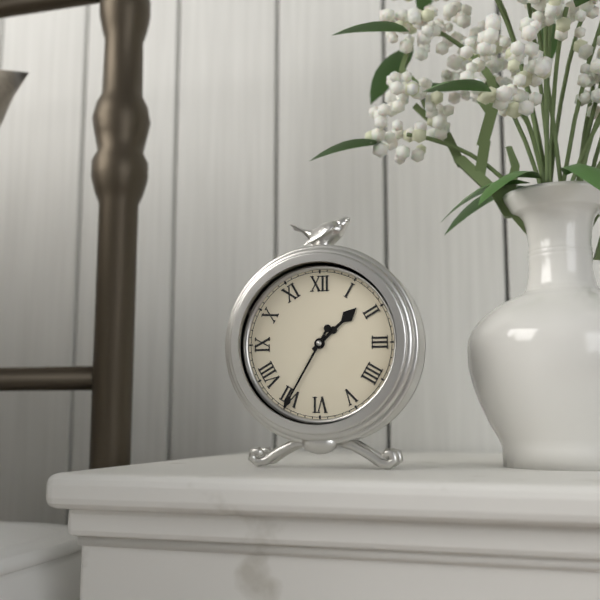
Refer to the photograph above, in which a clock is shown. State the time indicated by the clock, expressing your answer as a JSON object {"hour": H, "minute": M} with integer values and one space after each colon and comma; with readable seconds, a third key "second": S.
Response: {"hour": 1, "minute": 35}
